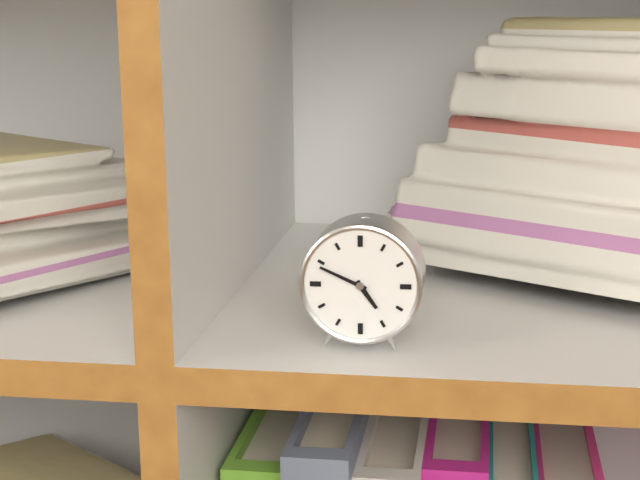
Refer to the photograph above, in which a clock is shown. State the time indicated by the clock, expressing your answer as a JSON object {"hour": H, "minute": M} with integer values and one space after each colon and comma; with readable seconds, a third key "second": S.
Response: {"hour": 4, "minute": 49}
